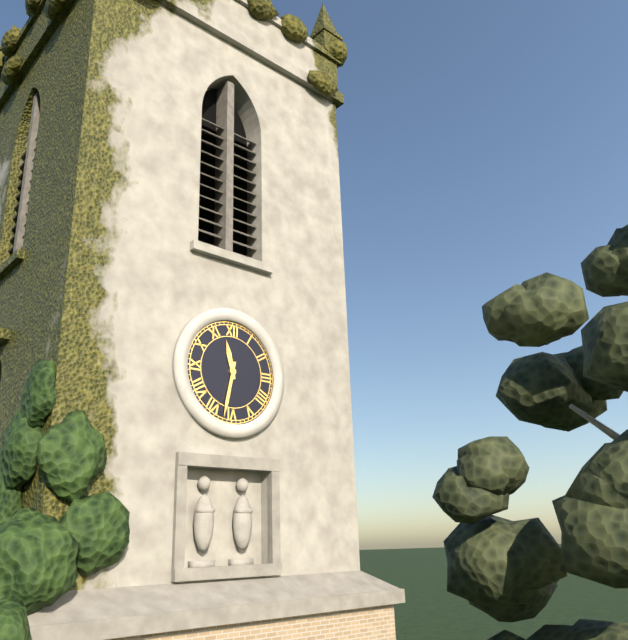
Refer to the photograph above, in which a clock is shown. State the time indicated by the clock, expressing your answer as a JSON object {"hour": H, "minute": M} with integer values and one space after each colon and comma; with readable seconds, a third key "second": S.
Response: {"hour": 11, "minute": 32}
